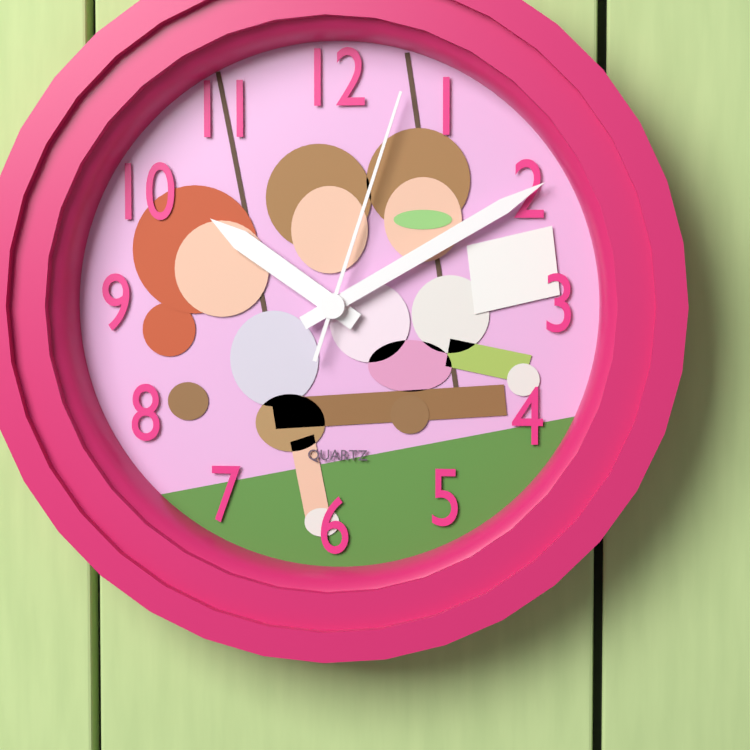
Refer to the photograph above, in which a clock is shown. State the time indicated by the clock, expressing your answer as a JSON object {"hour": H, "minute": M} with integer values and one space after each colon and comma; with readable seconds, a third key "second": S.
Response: {"hour": 10, "minute": 10, "second": 3}
